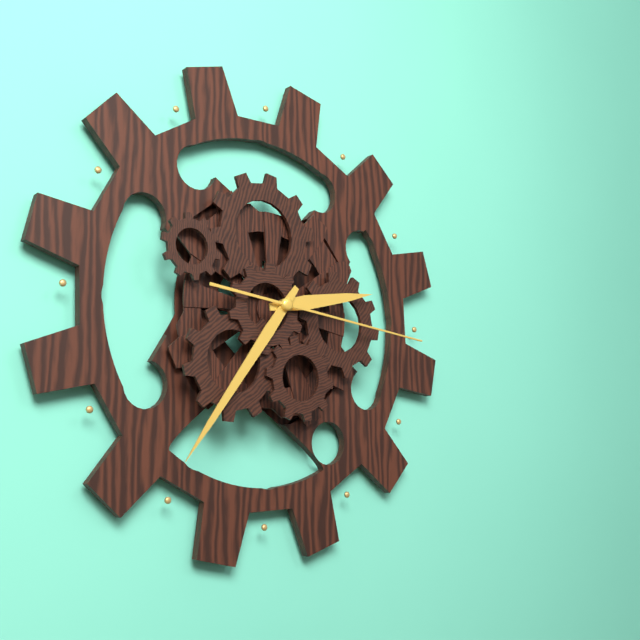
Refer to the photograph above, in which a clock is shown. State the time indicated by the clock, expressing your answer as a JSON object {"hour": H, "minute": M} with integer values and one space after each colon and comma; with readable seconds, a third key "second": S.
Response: {"hour": 2, "minute": 36, "second": 16}
